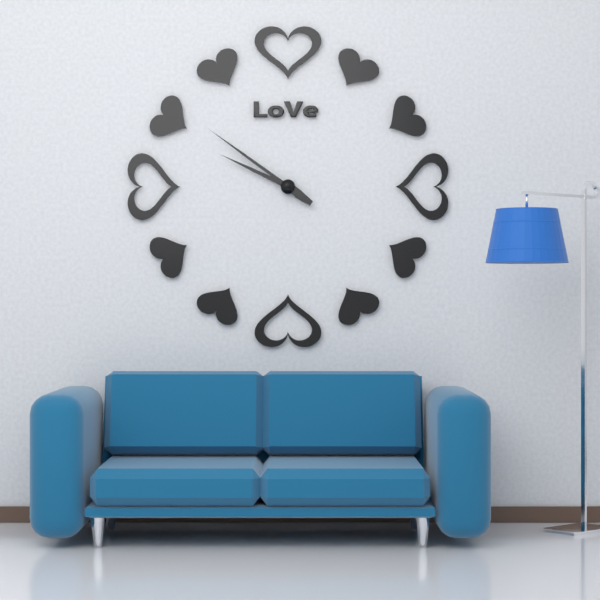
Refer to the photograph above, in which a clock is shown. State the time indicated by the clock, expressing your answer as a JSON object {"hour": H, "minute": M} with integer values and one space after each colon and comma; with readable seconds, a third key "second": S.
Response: {"hour": 9, "minute": 51}
